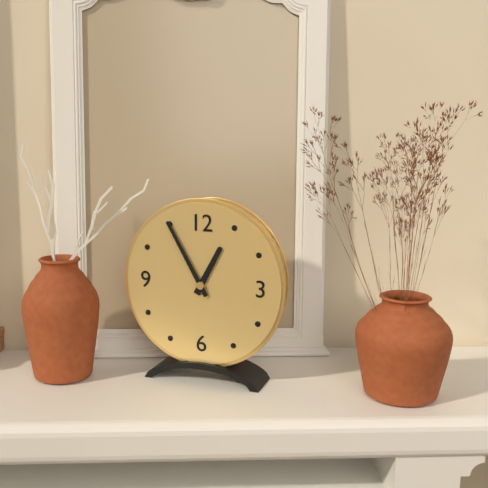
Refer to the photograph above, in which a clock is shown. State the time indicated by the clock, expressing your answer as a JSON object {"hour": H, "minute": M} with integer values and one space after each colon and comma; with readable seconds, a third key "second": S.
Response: {"hour": 12, "minute": 55}
